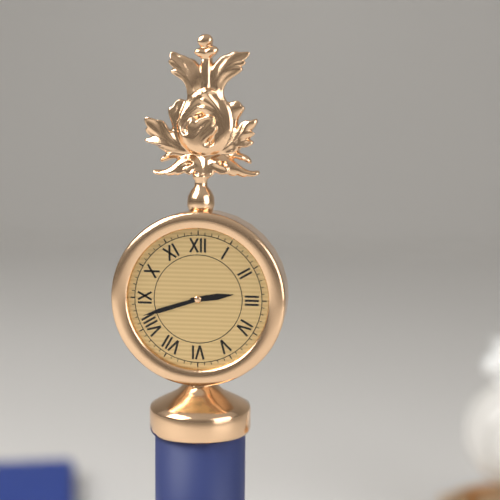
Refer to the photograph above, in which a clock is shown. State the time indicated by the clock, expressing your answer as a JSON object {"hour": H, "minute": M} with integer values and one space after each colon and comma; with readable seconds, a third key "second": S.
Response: {"hour": 2, "minute": 42}
